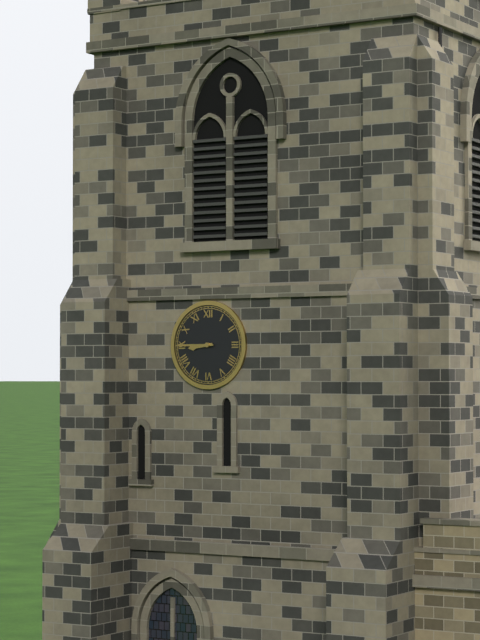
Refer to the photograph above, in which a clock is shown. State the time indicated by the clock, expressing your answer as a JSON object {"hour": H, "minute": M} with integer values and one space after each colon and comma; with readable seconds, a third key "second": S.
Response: {"hour": 8, "minute": 45}
